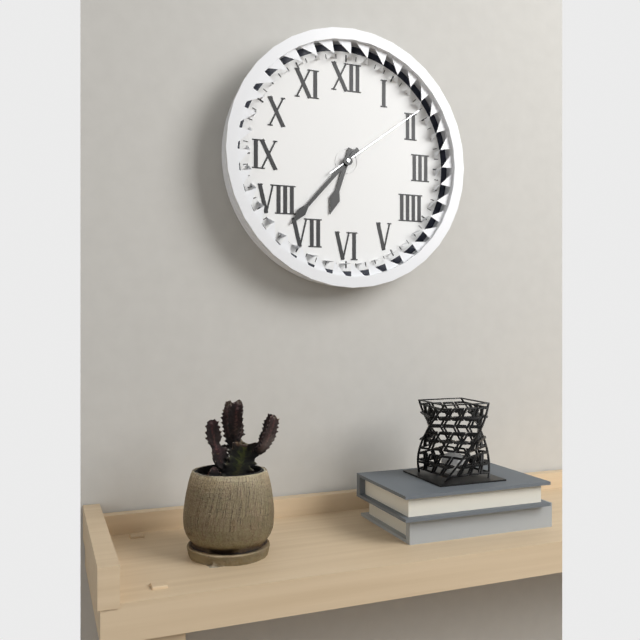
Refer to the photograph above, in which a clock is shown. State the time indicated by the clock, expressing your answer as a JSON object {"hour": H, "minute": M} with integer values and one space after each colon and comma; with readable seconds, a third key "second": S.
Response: {"hour": 6, "minute": 37, "second": 9}
